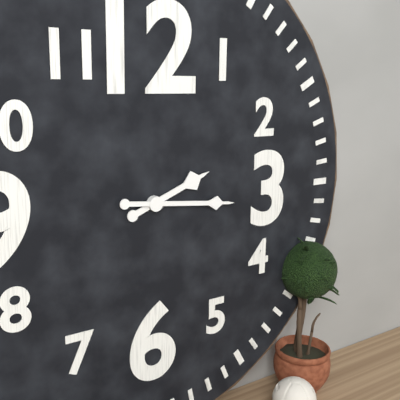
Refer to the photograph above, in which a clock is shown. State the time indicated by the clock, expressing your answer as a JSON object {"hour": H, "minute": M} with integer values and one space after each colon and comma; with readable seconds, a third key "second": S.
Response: {"hour": 2, "minute": 16}
